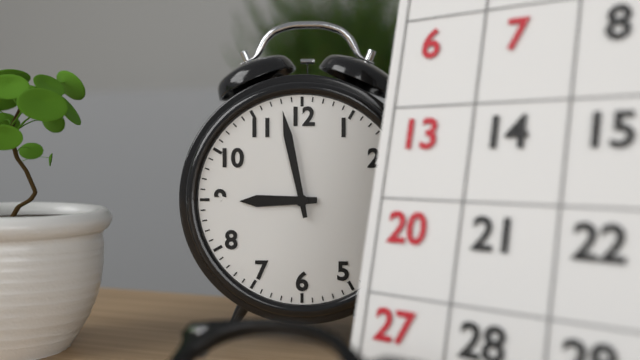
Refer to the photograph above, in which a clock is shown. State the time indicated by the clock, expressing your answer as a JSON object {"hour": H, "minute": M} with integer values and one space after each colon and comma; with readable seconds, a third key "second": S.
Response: {"hour": 8, "minute": 58}
